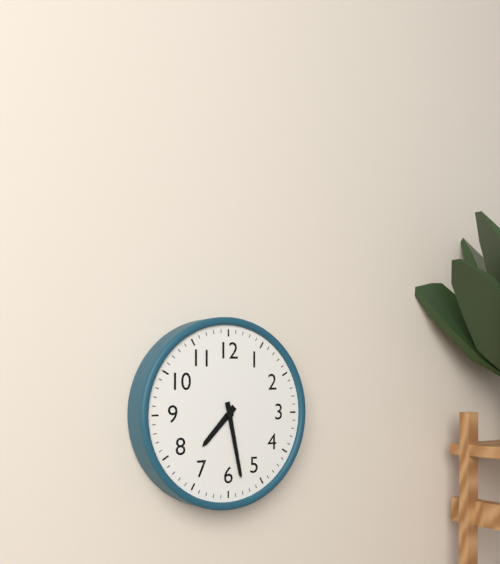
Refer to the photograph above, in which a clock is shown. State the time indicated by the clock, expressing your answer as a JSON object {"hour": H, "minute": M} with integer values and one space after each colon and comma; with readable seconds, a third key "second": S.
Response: {"hour": 7, "minute": 28}
